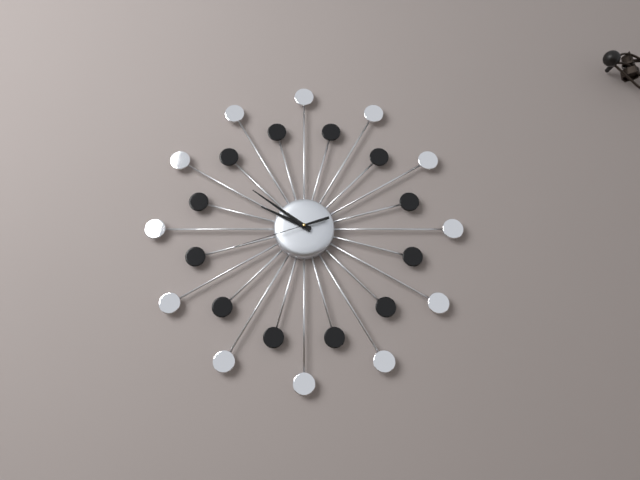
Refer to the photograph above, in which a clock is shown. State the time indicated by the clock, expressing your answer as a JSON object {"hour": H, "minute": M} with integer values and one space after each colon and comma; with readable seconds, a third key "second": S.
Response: {"hour": 9, "minute": 51, "second": 42}
